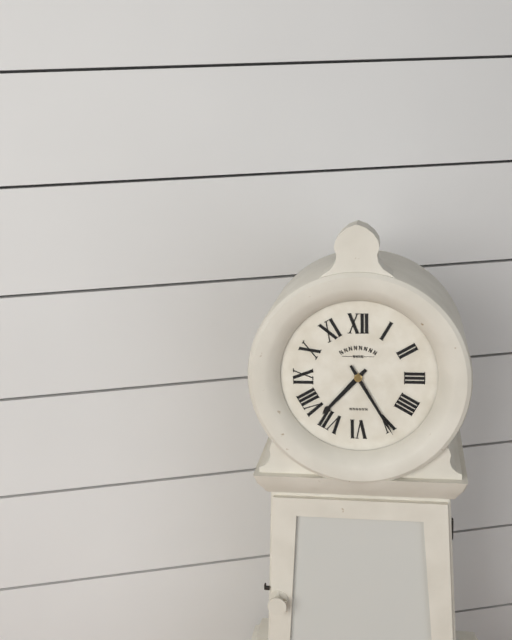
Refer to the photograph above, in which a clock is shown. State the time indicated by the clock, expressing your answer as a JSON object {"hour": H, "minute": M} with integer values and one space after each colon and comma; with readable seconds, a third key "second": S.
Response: {"hour": 7, "minute": 25}
